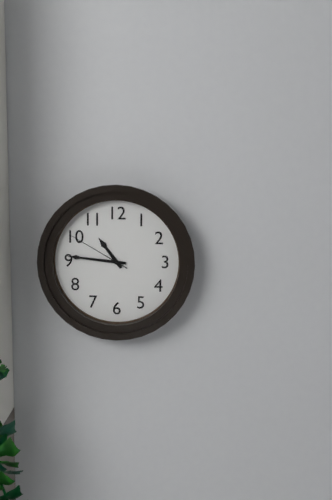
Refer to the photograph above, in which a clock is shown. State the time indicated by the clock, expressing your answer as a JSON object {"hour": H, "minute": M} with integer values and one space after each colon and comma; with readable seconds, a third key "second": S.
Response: {"hour": 10, "minute": 46, "second": 50}
